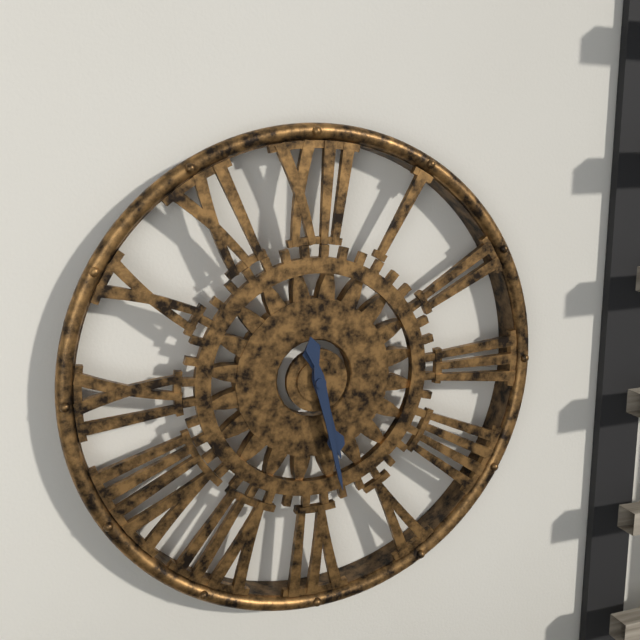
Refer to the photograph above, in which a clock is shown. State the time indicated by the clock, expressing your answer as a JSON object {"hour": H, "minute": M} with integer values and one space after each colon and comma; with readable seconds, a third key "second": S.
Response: {"hour": 5, "minute": 28}
